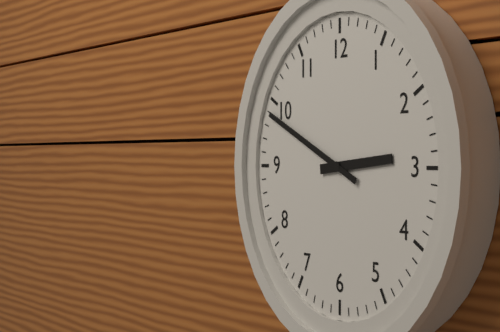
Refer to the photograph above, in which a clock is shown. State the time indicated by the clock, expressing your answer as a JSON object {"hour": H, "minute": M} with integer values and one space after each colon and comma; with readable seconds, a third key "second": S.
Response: {"hour": 2, "minute": 49}
